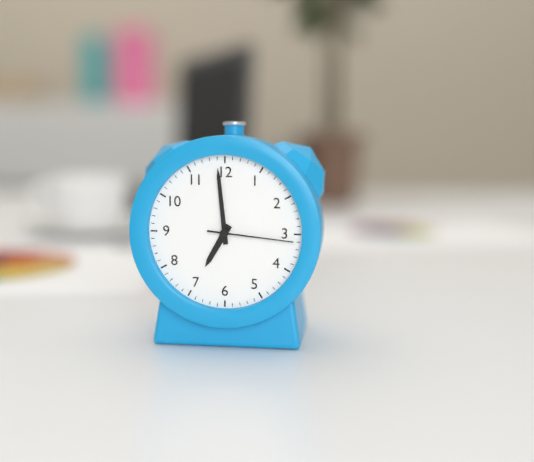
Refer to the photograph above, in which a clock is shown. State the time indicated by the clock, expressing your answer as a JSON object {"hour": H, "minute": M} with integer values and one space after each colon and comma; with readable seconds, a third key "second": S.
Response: {"hour": 6, "minute": 59, "second": 16}
